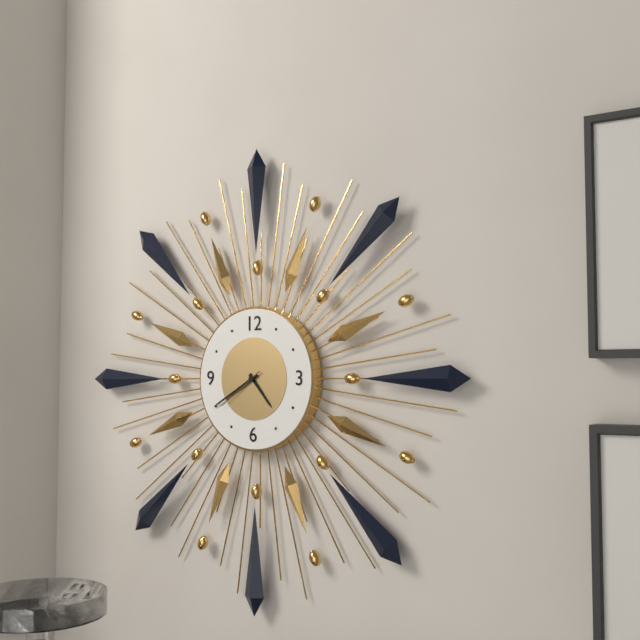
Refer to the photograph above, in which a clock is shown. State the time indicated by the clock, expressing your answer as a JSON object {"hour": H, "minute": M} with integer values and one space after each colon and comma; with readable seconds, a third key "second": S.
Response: {"hour": 4, "minute": 40, "second": 39}
